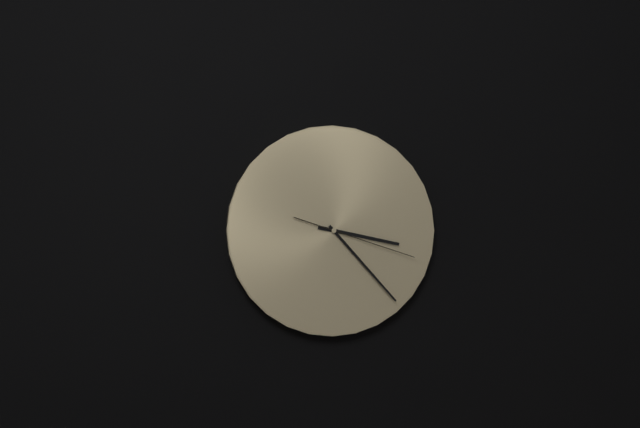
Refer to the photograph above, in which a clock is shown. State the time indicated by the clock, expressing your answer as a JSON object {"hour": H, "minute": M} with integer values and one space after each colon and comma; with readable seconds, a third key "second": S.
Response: {"hour": 3, "minute": 23, "second": 18}
